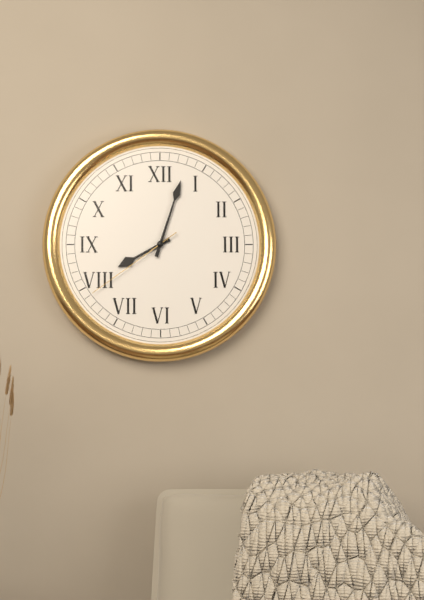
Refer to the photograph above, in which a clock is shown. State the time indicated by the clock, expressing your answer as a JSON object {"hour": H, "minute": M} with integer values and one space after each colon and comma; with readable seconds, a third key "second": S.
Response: {"hour": 8, "minute": 3, "second": 39}
